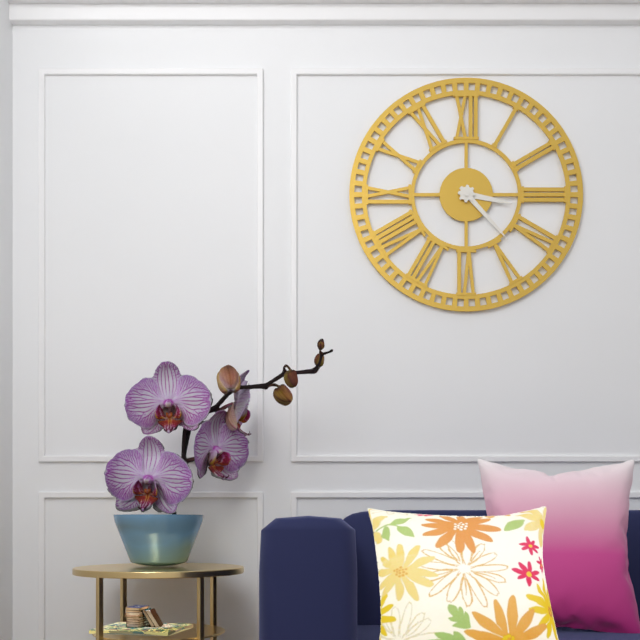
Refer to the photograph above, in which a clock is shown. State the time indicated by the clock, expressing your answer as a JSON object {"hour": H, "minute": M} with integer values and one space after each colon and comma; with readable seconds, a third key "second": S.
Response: {"hour": 3, "minute": 23}
